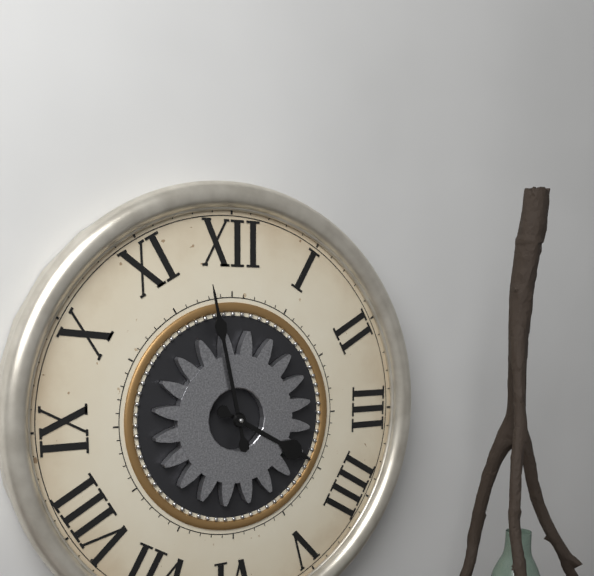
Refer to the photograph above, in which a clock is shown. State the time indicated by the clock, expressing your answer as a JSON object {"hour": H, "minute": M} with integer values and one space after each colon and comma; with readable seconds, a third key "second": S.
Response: {"hour": 3, "minute": 58}
